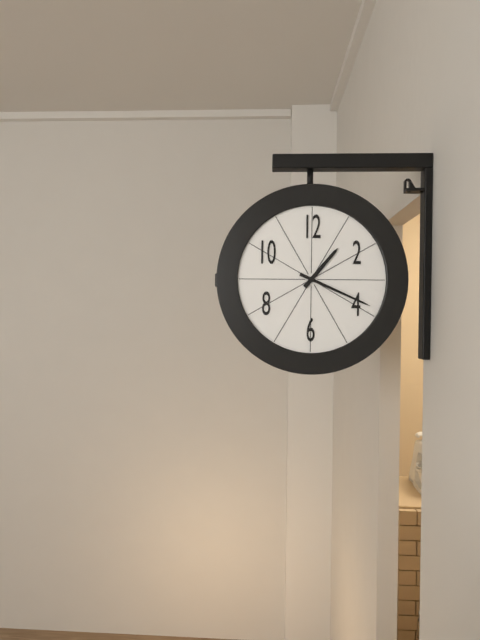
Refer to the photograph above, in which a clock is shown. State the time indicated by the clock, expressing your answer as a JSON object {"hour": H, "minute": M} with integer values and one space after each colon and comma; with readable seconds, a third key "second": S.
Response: {"hour": 1, "minute": 19}
